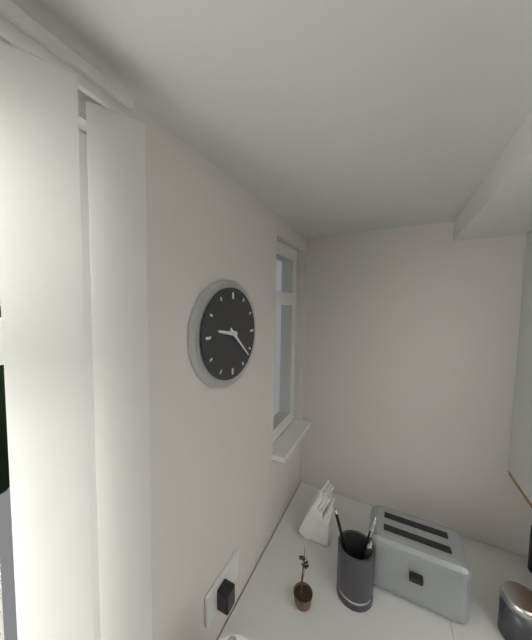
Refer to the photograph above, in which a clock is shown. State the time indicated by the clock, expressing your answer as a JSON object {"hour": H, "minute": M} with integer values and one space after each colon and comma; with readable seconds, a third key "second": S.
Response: {"hour": 9, "minute": 22}
